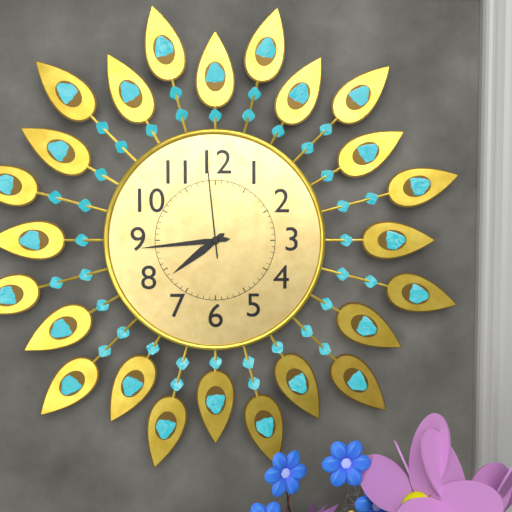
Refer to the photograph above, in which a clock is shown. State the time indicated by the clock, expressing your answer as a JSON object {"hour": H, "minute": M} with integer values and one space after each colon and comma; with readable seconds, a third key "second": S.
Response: {"hour": 7, "minute": 44, "second": 59}
